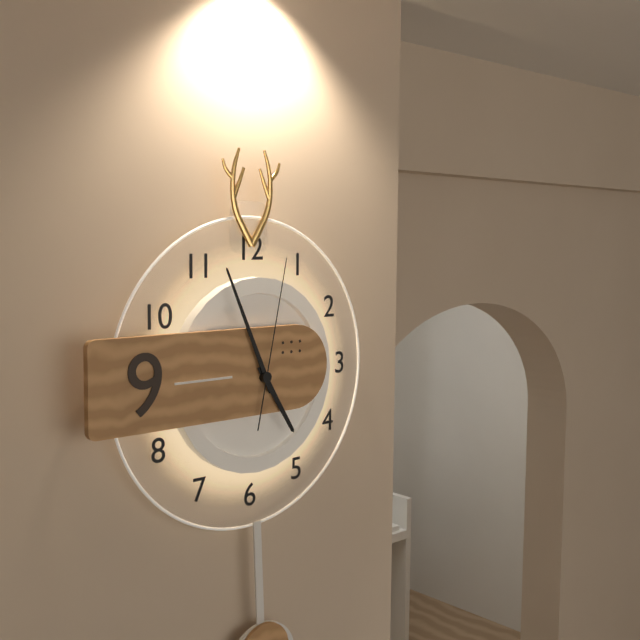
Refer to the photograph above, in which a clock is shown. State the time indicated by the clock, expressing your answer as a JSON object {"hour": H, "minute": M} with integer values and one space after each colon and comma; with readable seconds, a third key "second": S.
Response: {"hour": 4, "minute": 56, "second": 2}
